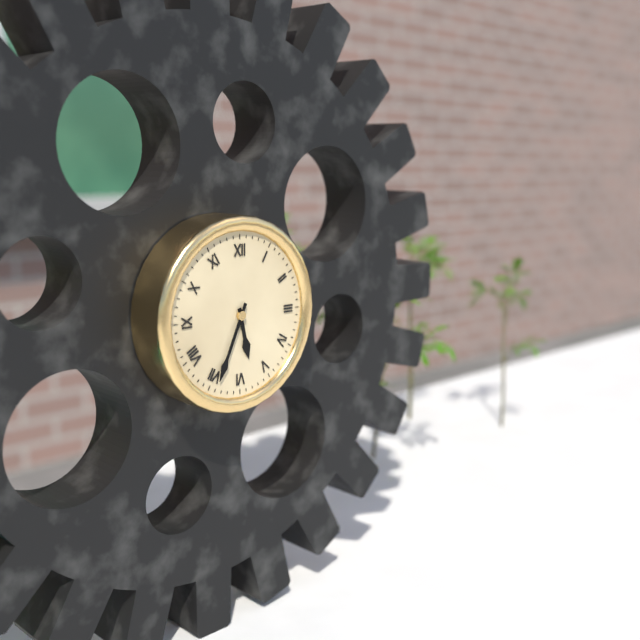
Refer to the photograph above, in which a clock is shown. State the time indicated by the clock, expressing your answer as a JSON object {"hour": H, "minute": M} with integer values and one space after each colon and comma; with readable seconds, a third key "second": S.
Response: {"hour": 5, "minute": 34}
